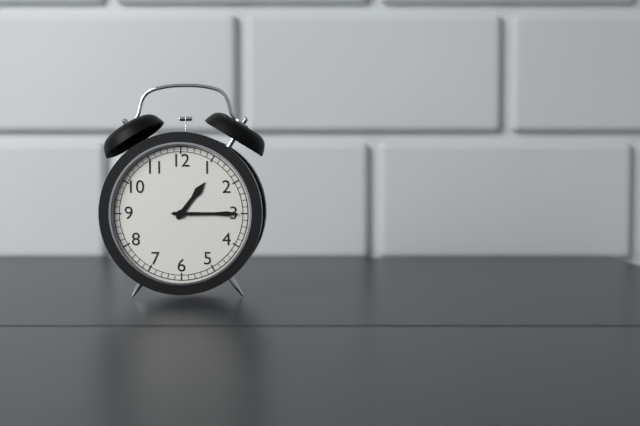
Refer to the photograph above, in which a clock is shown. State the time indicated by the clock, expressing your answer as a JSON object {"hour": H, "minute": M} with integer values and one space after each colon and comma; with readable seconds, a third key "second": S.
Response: {"hour": 1, "minute": 15}
